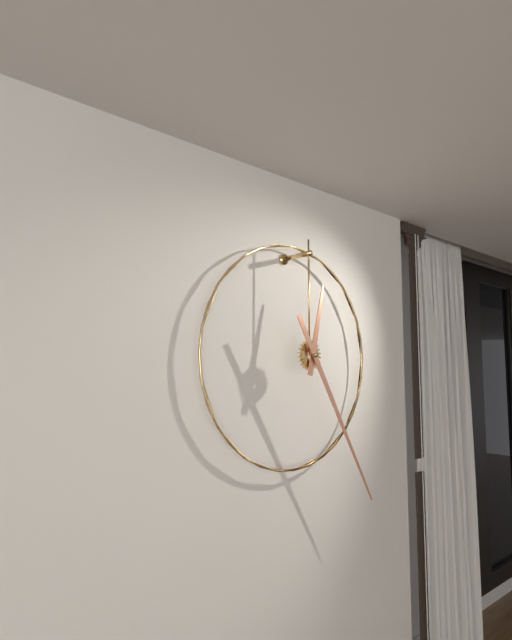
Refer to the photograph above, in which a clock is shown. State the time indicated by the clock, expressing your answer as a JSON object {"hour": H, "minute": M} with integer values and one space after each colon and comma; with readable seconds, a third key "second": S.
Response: {"hour": 12, "minute": 25}
